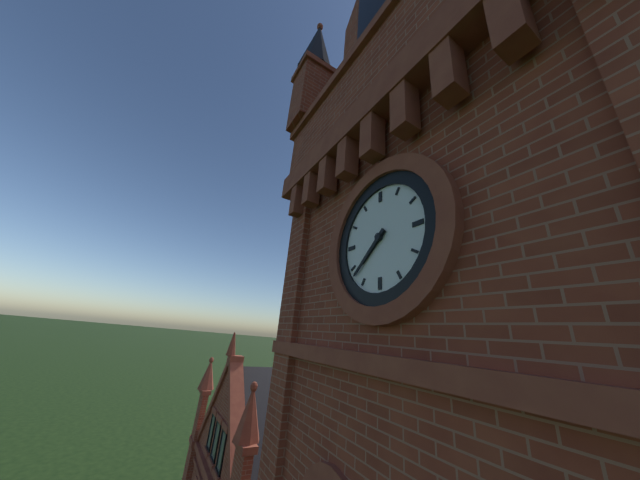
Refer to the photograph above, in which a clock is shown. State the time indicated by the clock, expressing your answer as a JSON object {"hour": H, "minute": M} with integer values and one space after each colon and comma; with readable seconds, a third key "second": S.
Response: {"hour": 7, "minute": 38}
